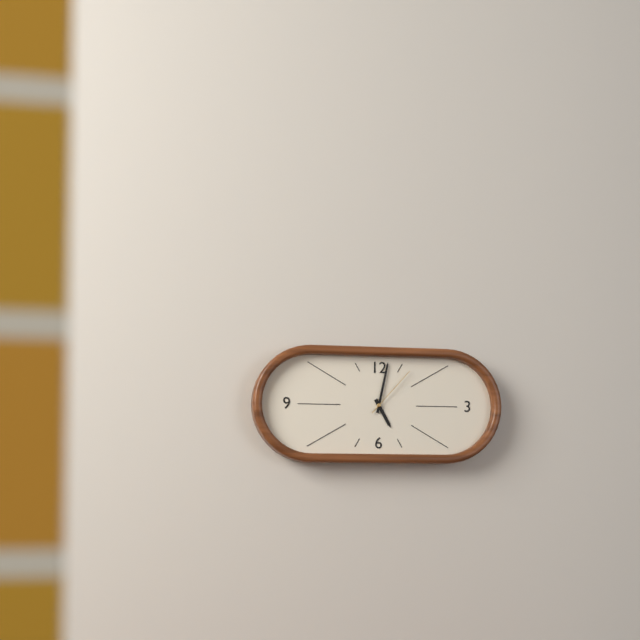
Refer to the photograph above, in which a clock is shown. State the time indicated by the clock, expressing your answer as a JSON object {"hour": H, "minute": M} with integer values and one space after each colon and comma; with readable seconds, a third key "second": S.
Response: {"hour": 5, "minute": 2, "second": 7}
